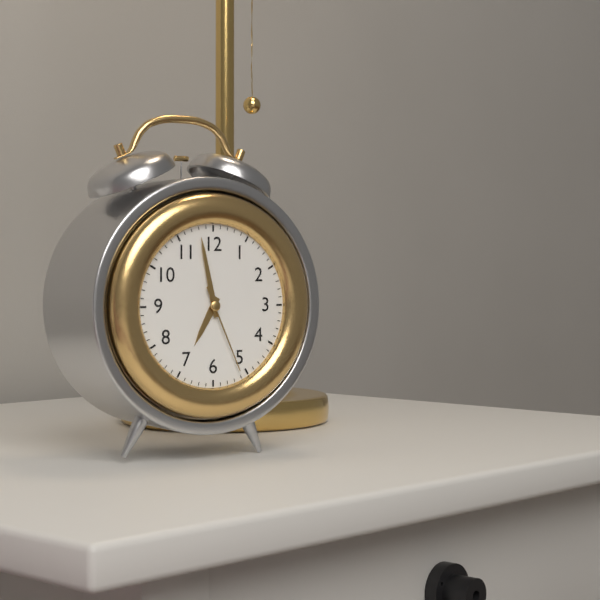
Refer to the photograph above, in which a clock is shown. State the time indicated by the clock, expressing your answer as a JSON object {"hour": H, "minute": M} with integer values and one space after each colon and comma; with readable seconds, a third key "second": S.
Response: {"hour": 6, "minute": 58, "second": 26}
